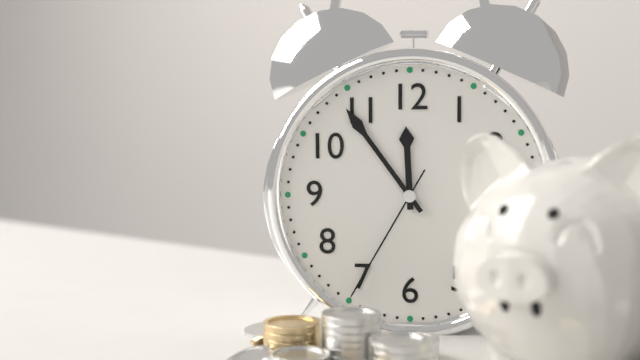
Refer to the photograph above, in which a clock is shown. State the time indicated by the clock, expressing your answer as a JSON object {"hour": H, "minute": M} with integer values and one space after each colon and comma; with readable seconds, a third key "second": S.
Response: {"hour": 11, "minute": 54, "second": 35}
